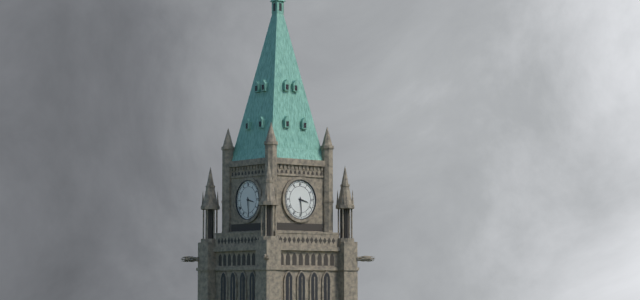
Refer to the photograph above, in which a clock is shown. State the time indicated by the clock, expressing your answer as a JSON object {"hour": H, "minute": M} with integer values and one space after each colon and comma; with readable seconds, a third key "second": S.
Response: {"hour": 3, "minute": 29}
